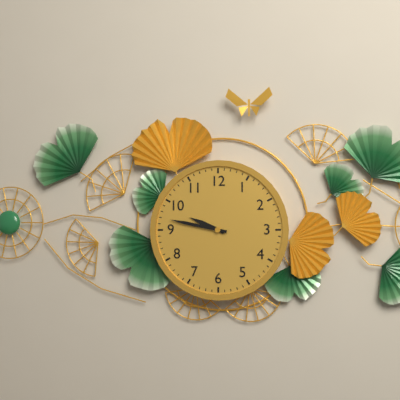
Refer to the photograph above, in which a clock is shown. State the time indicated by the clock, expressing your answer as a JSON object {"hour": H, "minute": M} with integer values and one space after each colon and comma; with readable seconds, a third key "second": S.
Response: {"hour": 9, "minute": 47}
